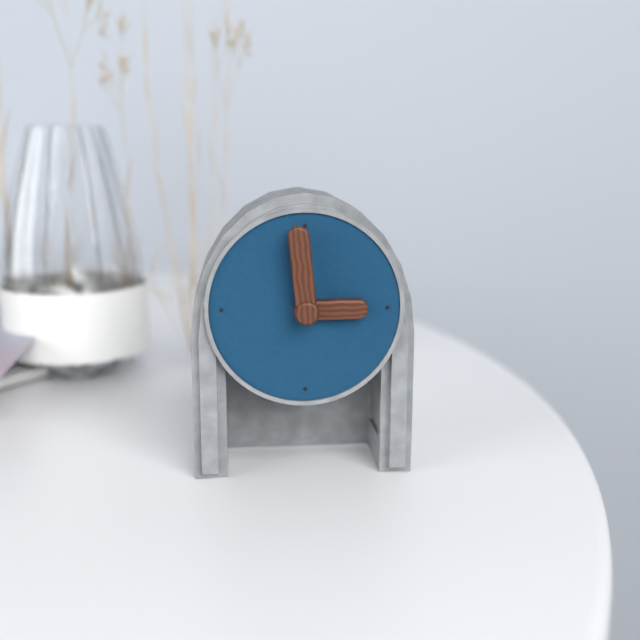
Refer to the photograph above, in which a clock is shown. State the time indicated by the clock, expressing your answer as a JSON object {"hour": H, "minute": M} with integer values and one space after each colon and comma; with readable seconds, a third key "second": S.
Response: {"hour": 2, "minute": 59}
